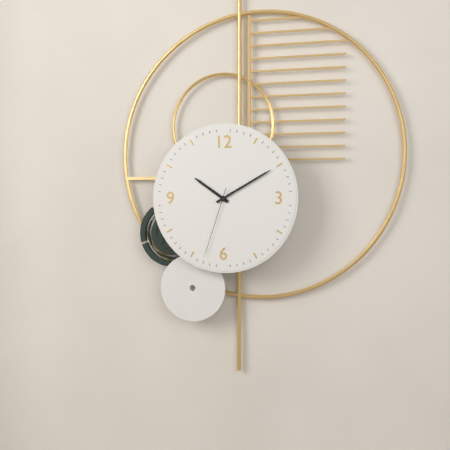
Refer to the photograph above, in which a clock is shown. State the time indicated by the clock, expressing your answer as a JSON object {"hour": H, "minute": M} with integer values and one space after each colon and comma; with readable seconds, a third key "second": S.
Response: {"hour": 10, "minute": 10, "second": 33}
